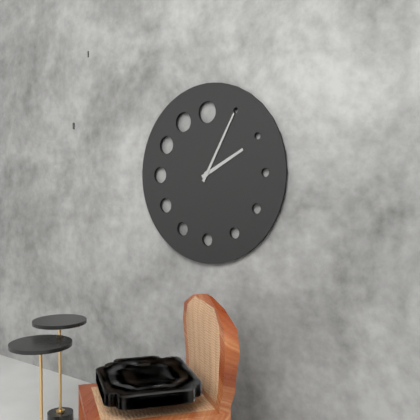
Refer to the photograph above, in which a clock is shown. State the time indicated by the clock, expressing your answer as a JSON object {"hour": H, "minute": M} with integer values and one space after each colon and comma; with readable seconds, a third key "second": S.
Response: {"hour": 2, "minute": 5}
